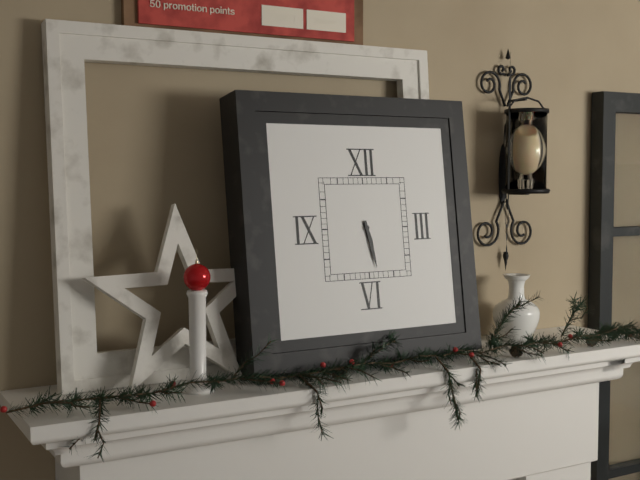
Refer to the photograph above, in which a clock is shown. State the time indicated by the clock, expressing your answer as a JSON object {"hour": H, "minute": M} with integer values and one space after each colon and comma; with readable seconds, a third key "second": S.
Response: {"hour": 5, "minute": 28}
